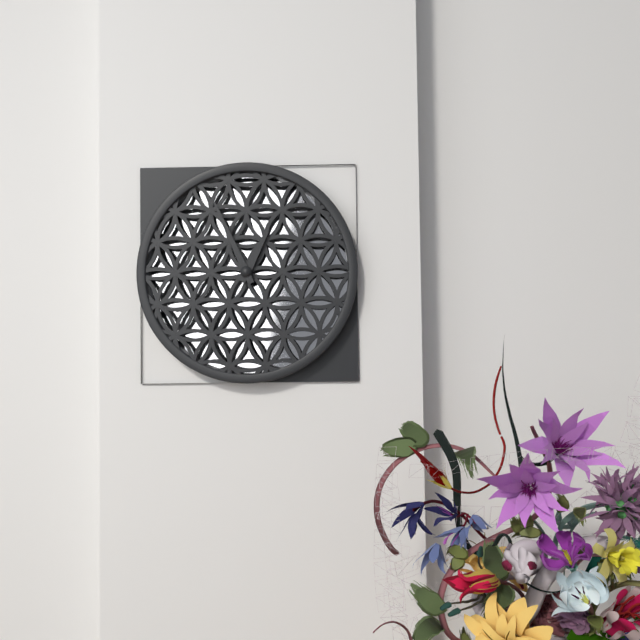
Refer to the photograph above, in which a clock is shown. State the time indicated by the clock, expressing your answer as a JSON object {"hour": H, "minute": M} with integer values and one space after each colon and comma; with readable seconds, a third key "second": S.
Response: {"hour": 12, "minute": 56}
